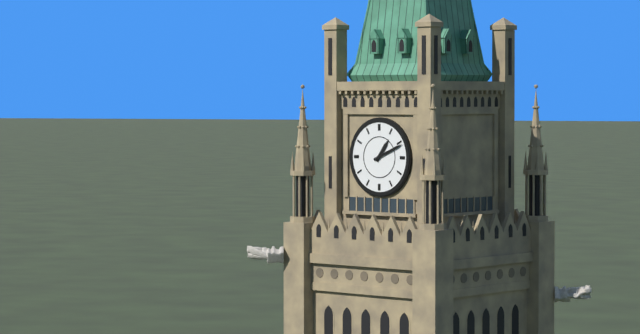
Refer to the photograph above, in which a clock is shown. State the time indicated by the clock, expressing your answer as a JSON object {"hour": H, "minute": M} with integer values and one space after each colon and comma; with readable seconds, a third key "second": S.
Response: {"hour": 1, "minute": 11}
